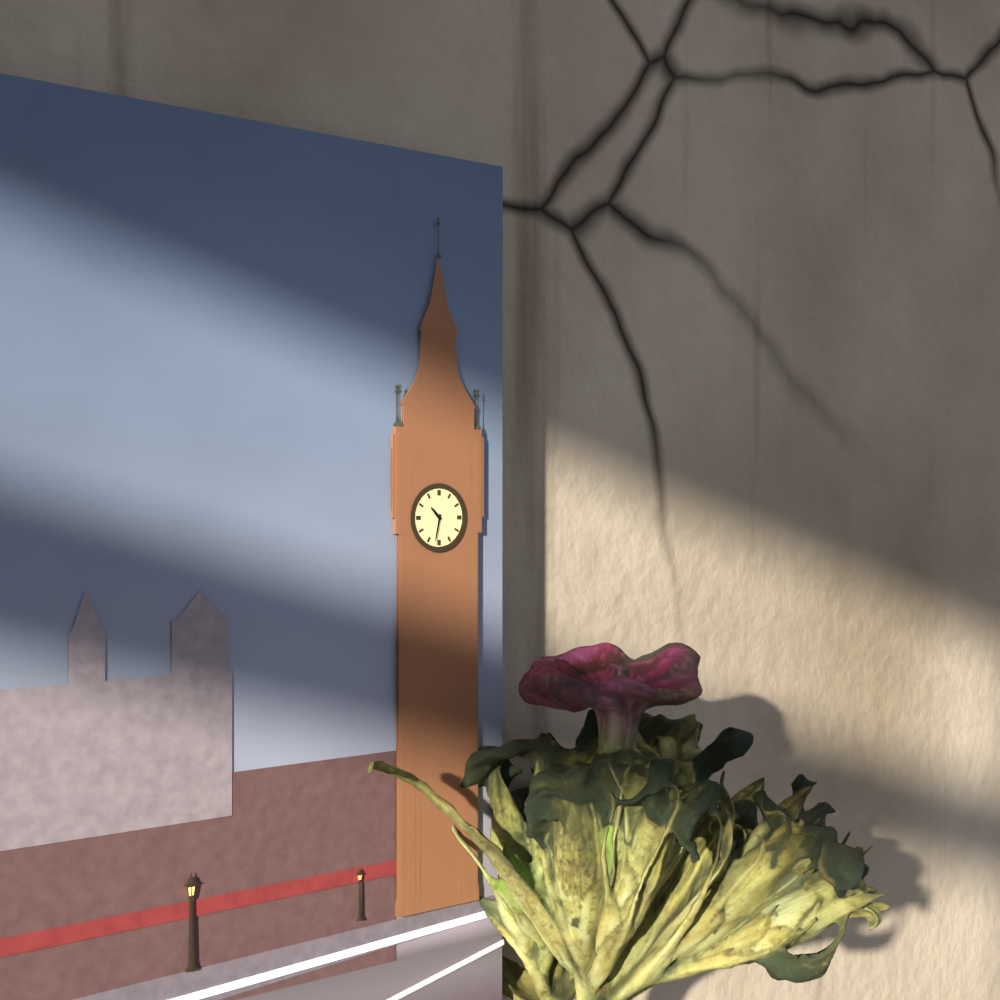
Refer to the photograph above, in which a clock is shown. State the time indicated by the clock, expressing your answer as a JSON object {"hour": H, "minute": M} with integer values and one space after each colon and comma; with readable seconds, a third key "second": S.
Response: {"hour": 10, "minute": 32}
